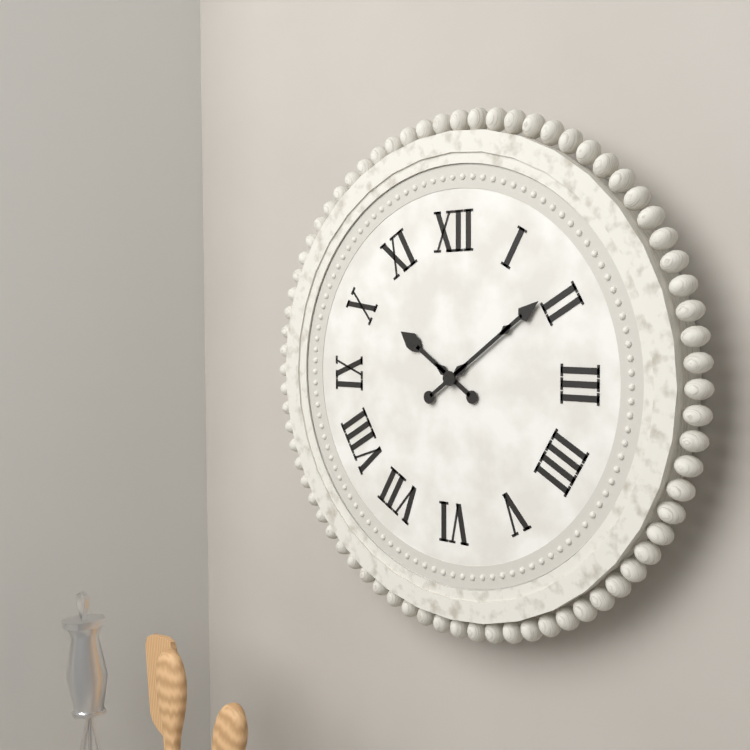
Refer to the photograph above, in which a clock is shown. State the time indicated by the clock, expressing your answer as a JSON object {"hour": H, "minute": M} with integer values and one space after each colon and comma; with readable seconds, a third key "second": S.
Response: {"hour": 10, "minute": 9}
